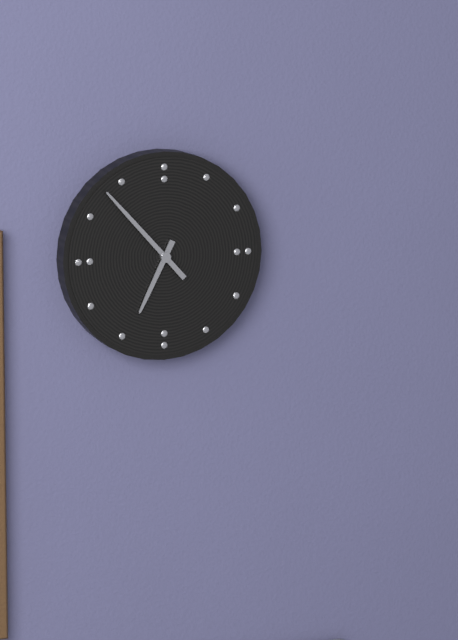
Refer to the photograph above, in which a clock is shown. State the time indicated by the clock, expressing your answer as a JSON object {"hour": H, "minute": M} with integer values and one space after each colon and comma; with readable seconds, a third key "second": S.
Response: {"hour": 6, "minute": 53}
